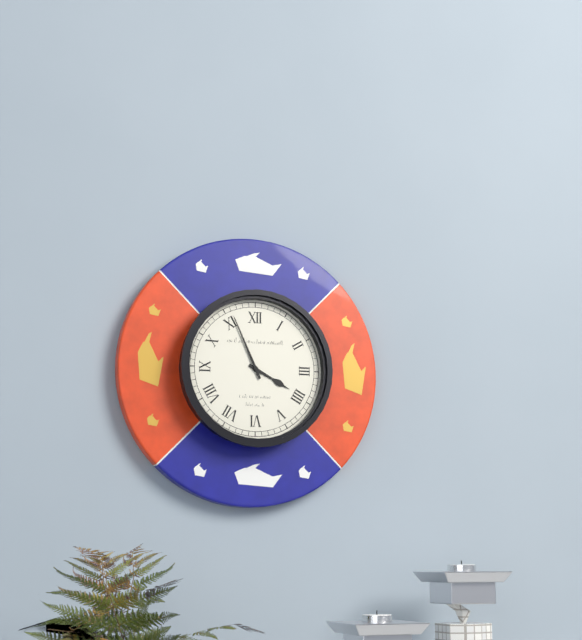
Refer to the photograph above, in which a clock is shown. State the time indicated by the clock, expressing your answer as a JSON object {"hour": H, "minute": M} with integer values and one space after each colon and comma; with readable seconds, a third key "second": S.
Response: {"hour": 3, "minute": 56}
